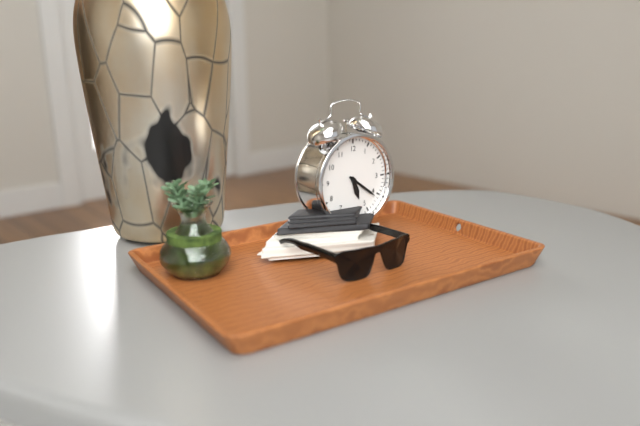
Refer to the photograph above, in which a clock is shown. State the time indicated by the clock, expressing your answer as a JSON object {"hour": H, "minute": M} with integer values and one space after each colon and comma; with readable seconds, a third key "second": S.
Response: {"hour": 5, "minute": 21}
